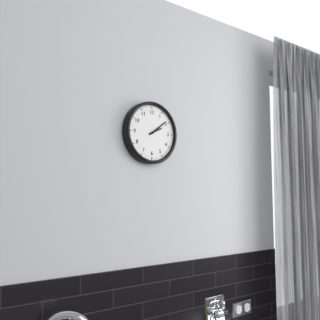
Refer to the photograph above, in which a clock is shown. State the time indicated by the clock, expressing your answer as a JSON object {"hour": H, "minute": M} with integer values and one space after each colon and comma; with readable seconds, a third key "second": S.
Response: {"hour": 2, "minute": 9}
